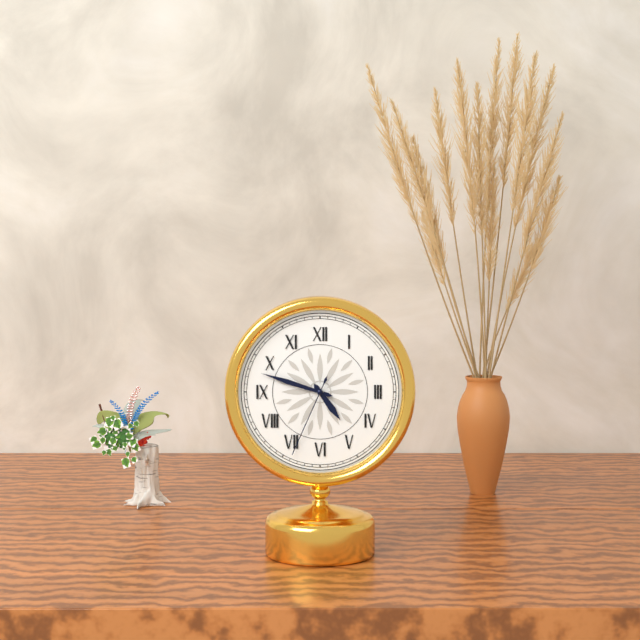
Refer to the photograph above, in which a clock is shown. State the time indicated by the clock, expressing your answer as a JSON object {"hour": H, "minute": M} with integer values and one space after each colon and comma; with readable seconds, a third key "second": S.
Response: {"hour": 4, "minute": 48, "second": 34}
